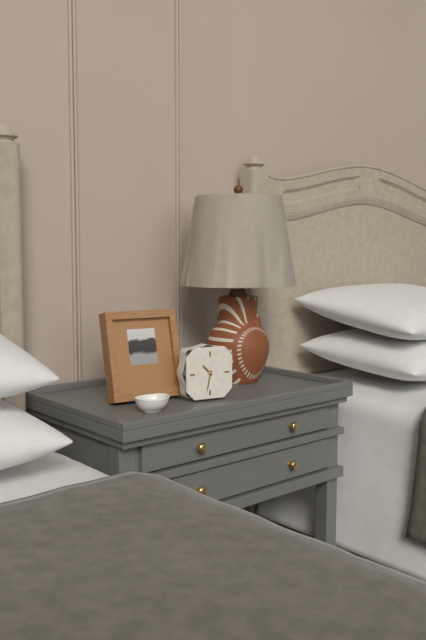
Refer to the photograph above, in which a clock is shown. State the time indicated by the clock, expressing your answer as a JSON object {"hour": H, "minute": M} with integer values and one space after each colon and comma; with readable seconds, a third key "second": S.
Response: {"hour": 10, "minute": 32}
